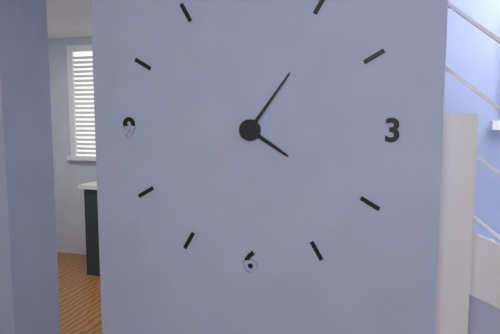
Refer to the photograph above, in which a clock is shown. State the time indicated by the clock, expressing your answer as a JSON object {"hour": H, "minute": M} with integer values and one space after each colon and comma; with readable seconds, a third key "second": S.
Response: {"hour": 4, "minute": 6}
